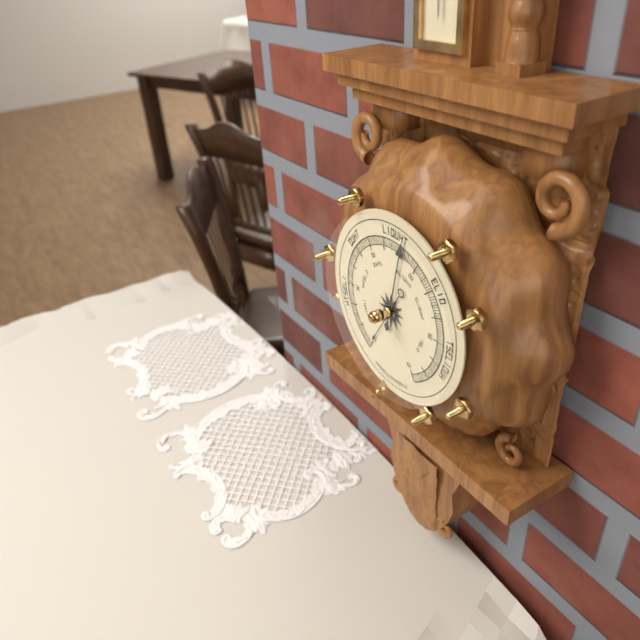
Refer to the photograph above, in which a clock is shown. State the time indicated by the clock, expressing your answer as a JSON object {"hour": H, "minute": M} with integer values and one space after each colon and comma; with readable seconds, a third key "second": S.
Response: {"hour": 7, "minute": 2}
